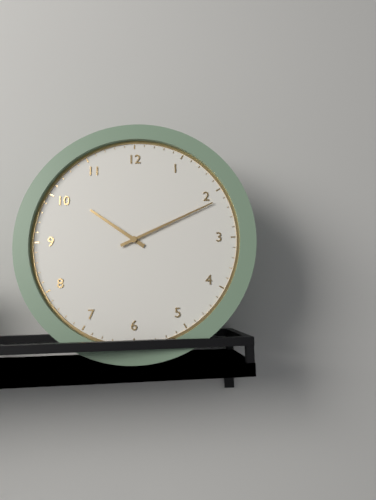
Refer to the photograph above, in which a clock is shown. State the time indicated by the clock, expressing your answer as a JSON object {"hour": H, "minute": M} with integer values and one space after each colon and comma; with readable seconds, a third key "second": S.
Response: {"hour": 10, "minute": 11}
